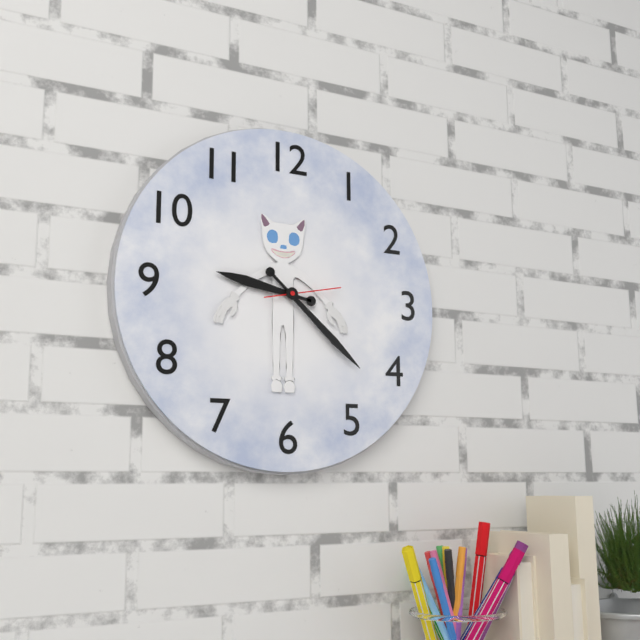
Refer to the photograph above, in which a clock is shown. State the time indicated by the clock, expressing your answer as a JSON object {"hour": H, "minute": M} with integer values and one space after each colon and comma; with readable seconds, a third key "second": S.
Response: {"hour": 9, "minute": 22, "second": 13}
